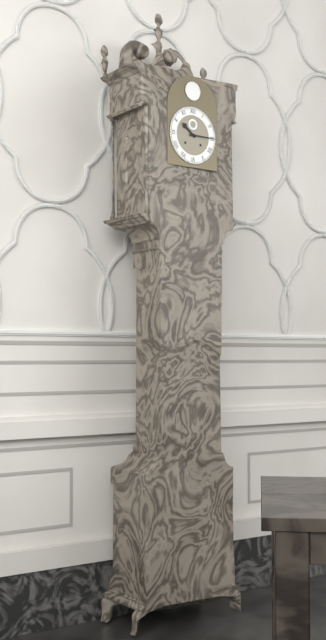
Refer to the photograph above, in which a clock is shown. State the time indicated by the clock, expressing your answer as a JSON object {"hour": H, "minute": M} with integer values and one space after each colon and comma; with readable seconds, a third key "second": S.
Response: {"hour": 10, "minute": 15}
